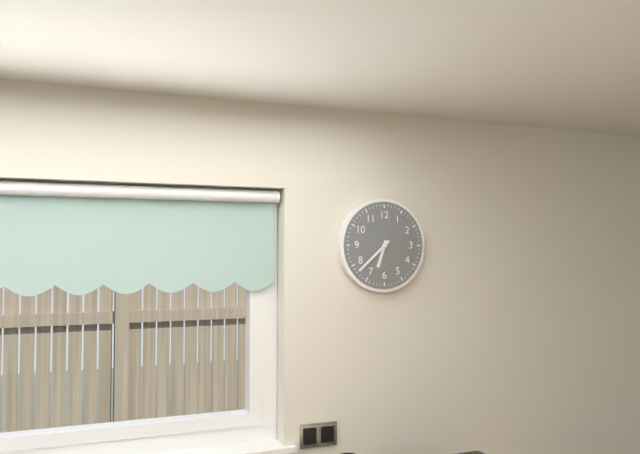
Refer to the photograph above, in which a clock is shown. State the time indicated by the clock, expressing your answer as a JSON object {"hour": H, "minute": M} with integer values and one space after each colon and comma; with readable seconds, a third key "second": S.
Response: {"hour": 6, "minute": 38}
